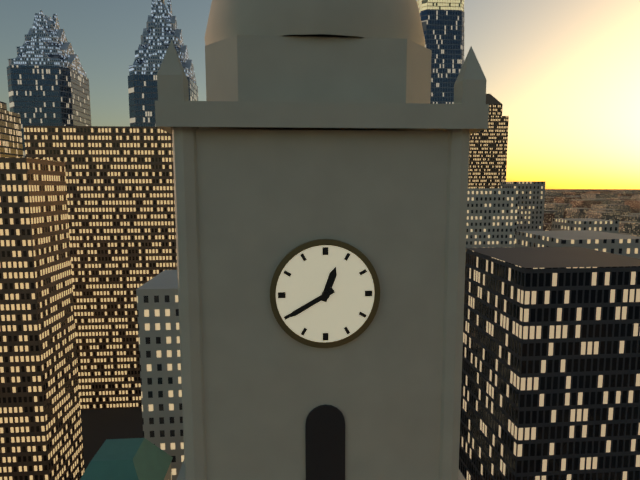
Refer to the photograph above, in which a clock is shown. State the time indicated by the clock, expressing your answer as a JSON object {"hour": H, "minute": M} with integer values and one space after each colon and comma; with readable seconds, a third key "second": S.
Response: {"hour": 12, "minute": 40}
